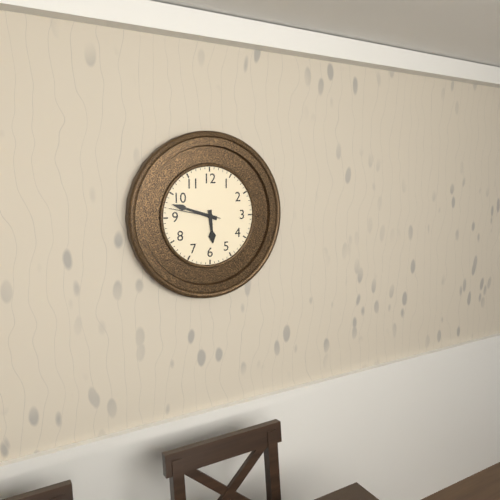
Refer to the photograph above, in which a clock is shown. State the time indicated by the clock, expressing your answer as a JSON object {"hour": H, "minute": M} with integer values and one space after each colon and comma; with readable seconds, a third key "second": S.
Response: {"hour": 5, "minute": 48, "second": 47}
